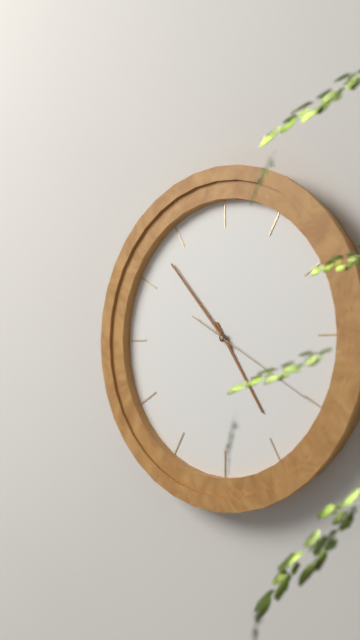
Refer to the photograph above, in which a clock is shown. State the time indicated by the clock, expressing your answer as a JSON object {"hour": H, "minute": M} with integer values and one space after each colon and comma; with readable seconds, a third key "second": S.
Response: {"hour": 4, "minute": 53, "second": 20}
